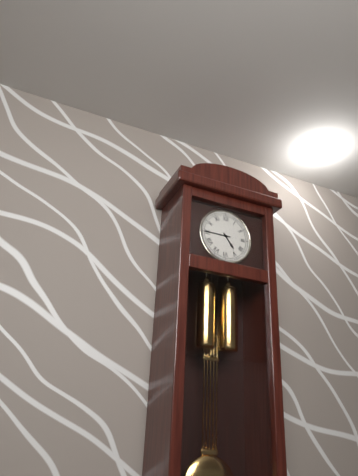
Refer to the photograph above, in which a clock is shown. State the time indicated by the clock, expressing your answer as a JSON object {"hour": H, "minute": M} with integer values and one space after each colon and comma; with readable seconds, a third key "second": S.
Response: {"hour": 4, "minute": 45}
